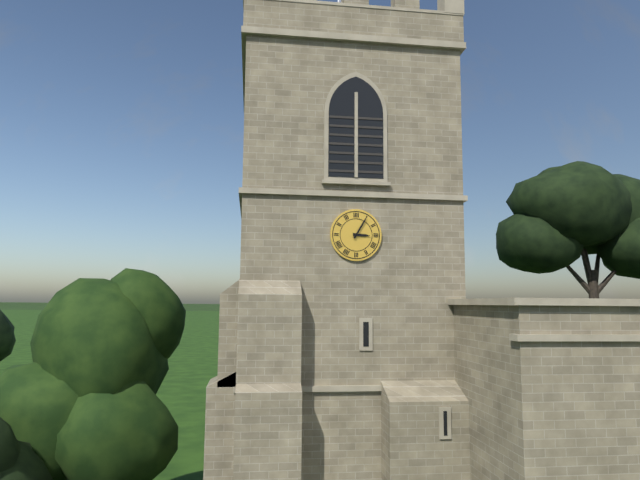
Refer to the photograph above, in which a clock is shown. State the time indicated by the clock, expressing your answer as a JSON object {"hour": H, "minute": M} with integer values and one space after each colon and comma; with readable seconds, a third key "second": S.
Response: {"hour": 3, "minute": 5}
